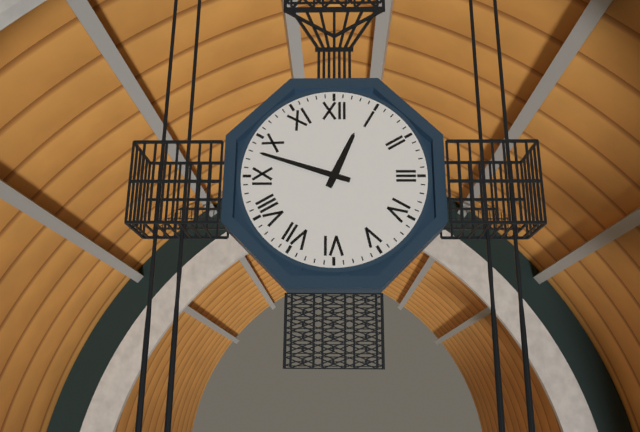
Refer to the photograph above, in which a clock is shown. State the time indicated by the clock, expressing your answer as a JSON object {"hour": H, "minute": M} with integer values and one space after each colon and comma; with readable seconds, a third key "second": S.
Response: {"hour": 12, "minute": 48}
